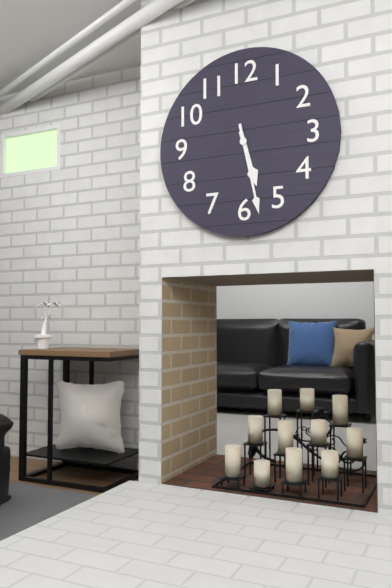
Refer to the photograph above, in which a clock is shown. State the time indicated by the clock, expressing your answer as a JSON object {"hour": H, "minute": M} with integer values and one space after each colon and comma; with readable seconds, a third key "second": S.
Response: {"hour": 5, "minute": 28}
